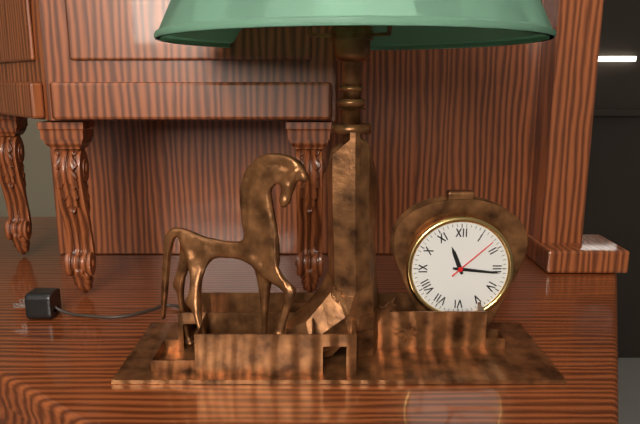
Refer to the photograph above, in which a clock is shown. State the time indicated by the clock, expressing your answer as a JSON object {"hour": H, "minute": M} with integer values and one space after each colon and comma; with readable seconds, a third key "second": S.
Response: {"hour": 11, "minute": 16, "second": 8}
